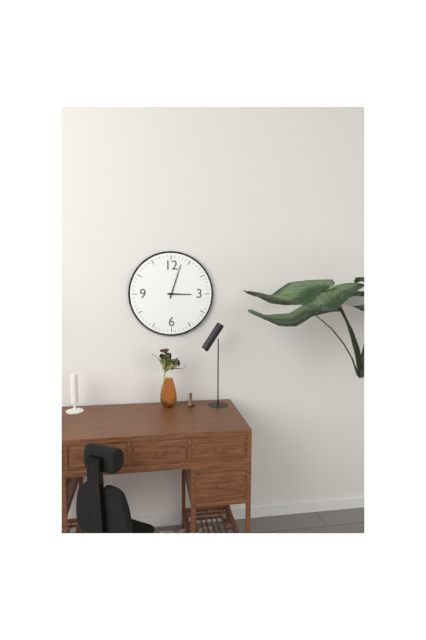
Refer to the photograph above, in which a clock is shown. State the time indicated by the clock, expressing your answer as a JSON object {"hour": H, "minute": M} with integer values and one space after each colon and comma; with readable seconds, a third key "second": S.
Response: {"hour": 3, "minute": 3}
